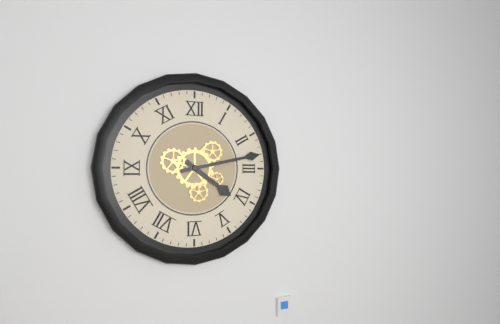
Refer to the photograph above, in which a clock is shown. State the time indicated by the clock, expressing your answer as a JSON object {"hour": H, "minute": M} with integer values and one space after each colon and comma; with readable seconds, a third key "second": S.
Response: {"hour": 4, "minute": 13}
